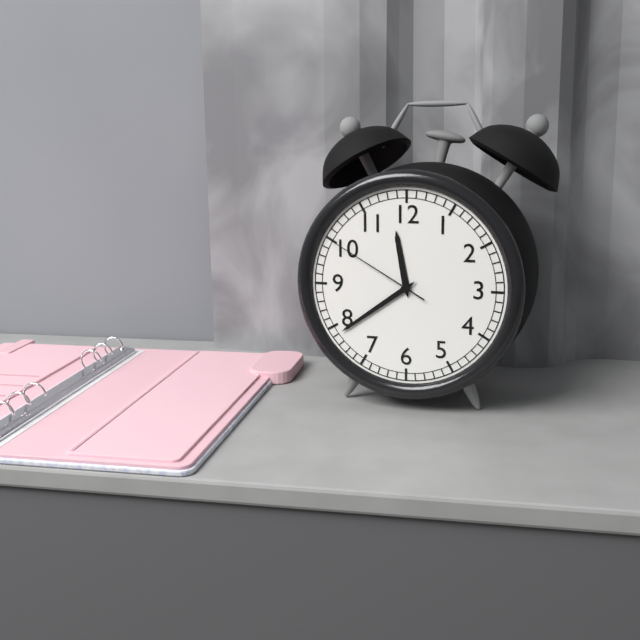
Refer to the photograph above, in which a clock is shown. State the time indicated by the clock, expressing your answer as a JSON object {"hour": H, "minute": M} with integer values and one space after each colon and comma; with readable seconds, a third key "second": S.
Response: {"hour": 11, "minute": 39, "second": 50}
